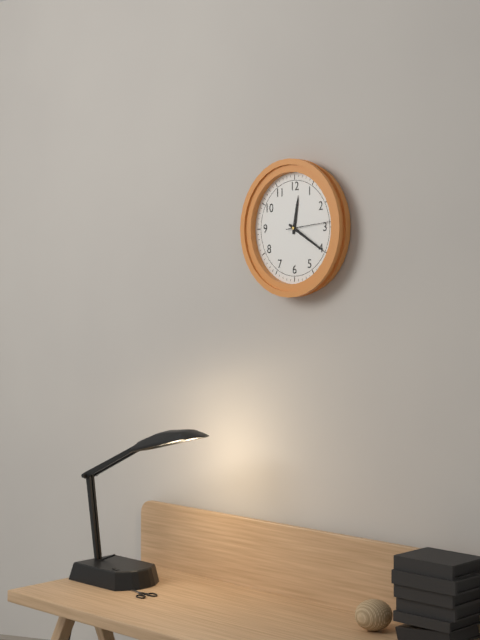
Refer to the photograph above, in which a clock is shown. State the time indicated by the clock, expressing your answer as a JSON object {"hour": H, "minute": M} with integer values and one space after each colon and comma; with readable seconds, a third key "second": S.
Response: {"hour": 12, "minute": 20}
